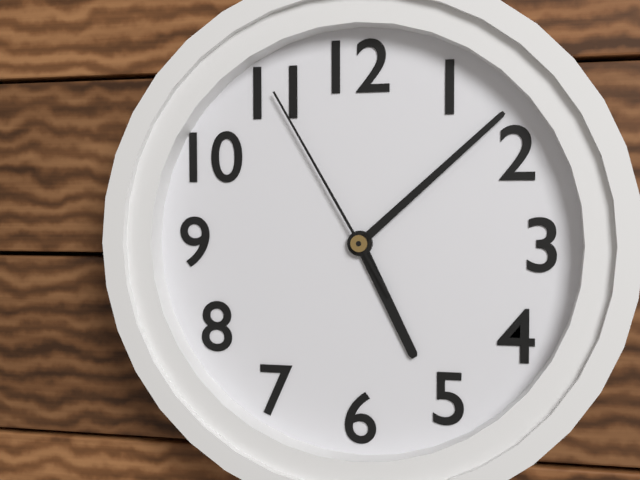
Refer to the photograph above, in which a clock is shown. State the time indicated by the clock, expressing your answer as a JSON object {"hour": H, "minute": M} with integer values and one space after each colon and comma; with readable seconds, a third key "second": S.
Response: {"hour": 5, "minute": 8, "second": 55}
